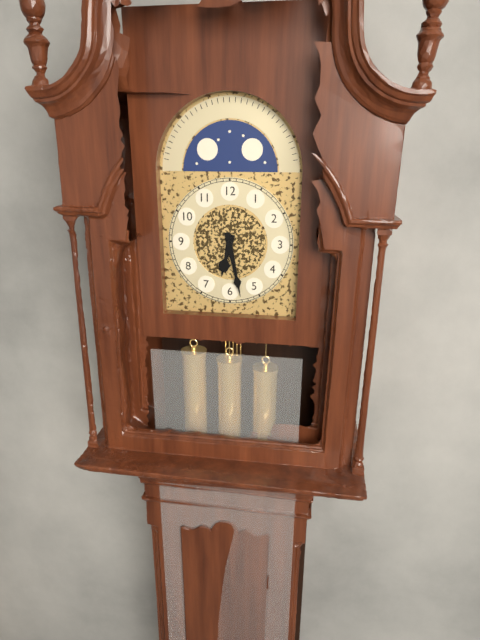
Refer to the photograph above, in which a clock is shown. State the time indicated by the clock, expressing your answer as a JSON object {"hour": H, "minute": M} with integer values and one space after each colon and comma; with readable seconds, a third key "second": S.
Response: {"hour": 6, "minute": 28}
